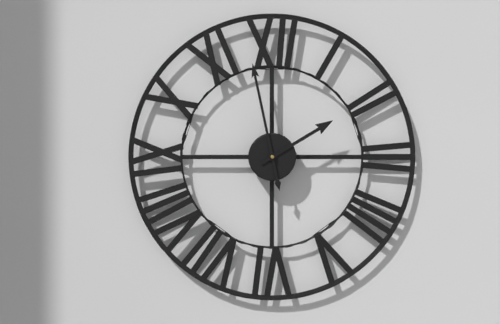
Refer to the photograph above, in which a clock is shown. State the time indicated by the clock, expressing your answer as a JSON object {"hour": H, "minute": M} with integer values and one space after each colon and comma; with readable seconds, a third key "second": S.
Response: {"hour": 1, "minute": 58}
